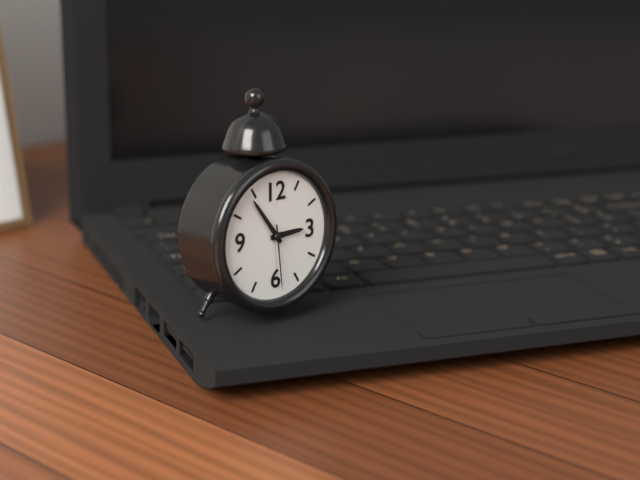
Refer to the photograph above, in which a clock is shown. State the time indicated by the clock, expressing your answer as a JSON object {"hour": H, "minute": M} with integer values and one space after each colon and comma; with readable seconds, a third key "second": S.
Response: {"hour": 2, "minute": 54, "second": 29}
